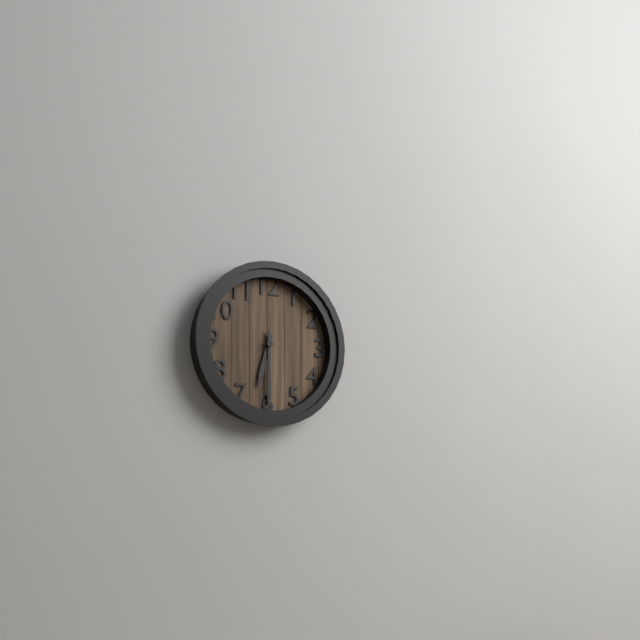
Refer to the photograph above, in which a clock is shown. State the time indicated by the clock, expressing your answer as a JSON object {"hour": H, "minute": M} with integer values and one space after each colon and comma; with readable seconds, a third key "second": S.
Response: {"hour": 6, "minute": 30}
